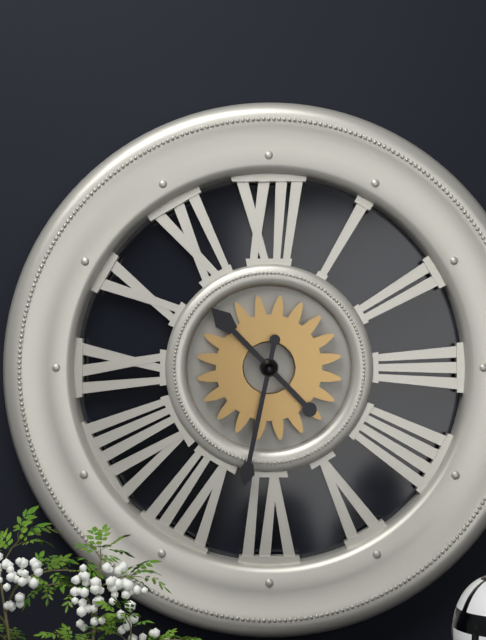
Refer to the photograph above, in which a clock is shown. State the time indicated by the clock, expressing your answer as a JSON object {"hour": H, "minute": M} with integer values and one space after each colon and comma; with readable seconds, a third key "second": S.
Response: {"hour": 10, "minute": 32}
